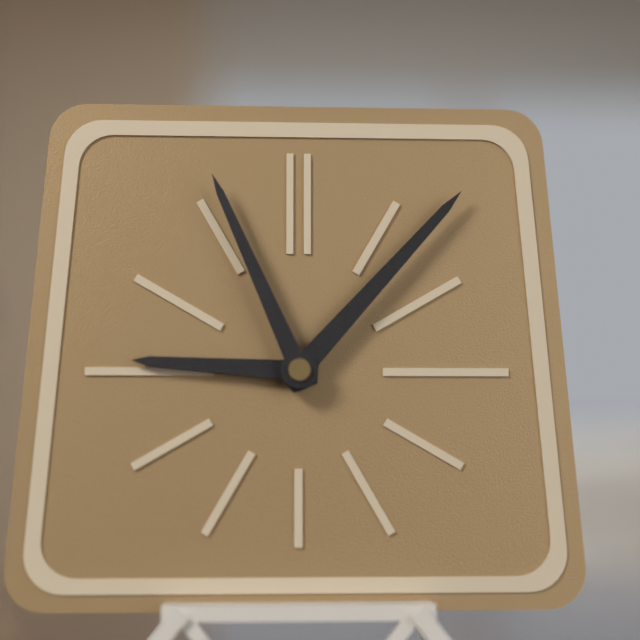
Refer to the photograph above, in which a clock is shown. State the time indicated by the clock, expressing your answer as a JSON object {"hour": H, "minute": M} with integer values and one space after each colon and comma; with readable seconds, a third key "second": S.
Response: {"hour": 9, "minute": 7, "second": 56}
